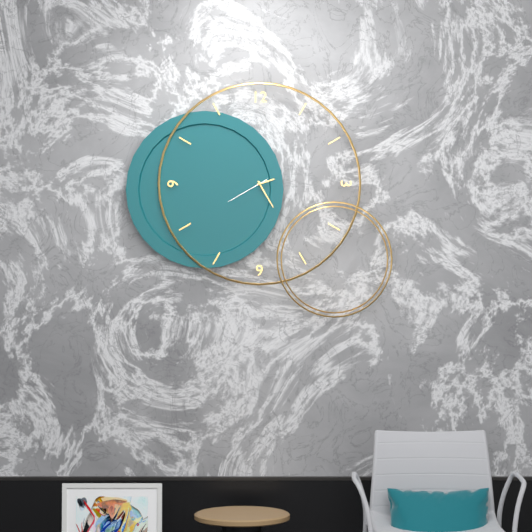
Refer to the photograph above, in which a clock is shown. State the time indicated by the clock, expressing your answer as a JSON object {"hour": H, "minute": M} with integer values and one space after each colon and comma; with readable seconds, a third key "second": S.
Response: {"hour": 2, "minute": 25}
